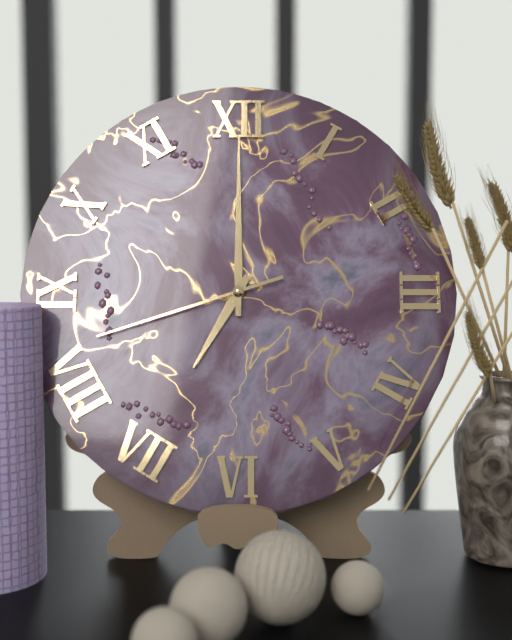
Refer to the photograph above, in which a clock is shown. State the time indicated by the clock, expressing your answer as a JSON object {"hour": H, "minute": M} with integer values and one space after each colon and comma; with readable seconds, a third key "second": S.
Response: {"hour": 7, "minute": 0, "second": 42}
